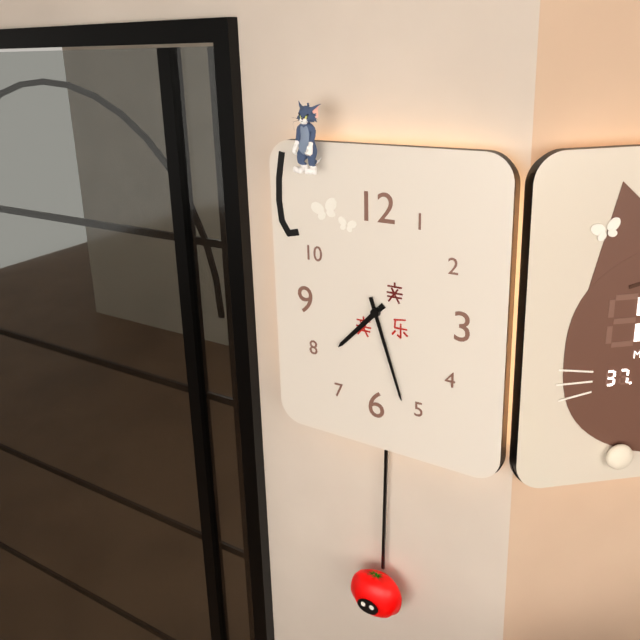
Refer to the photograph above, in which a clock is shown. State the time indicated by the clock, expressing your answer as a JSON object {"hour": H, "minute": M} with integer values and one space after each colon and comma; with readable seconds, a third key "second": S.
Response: {"hour": 7, "minute": 27}
